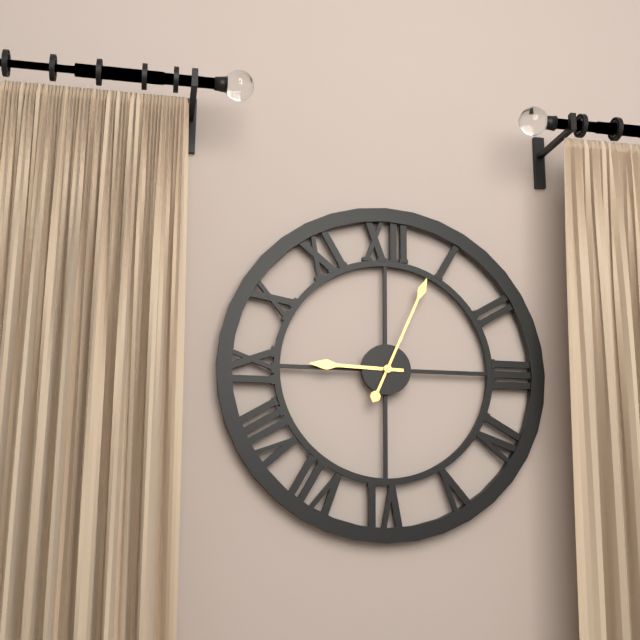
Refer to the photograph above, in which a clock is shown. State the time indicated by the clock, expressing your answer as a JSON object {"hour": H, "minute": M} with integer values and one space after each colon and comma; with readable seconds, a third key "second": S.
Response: {"hour": 9, "minute": 4}
